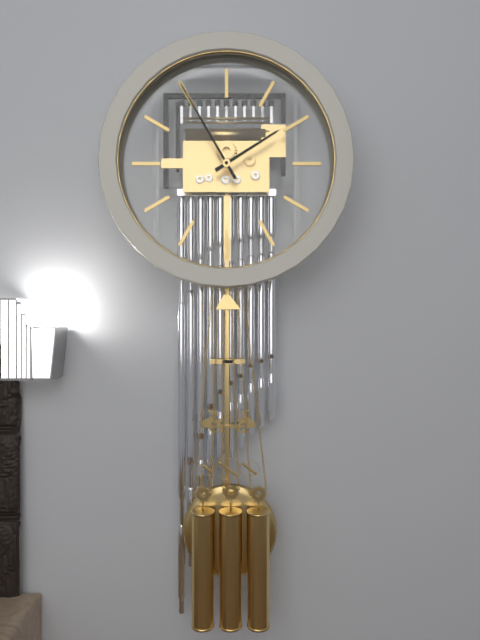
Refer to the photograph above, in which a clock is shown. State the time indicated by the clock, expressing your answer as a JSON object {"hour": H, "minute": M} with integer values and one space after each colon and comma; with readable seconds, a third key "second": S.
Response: {"hour": 1, "minute": 55}
